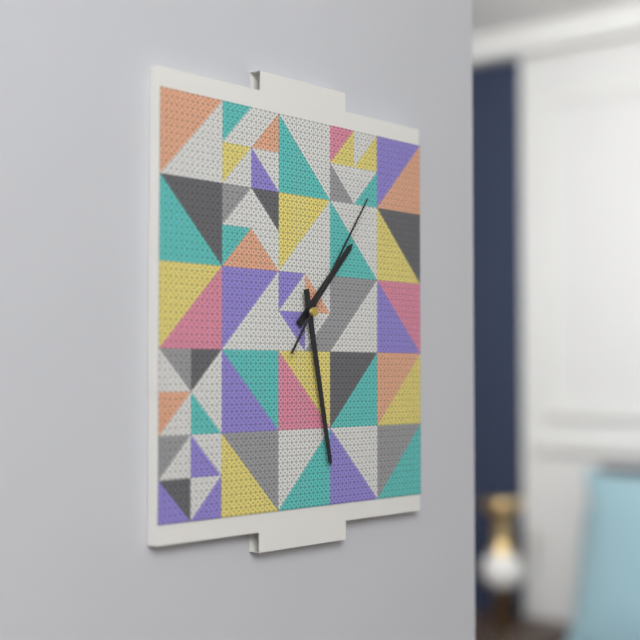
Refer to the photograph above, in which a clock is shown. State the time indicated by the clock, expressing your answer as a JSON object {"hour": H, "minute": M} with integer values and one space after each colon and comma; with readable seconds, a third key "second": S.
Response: {"hour": 1, "minute": 28, "second": 6}
